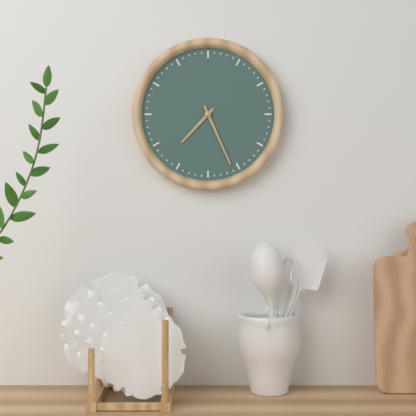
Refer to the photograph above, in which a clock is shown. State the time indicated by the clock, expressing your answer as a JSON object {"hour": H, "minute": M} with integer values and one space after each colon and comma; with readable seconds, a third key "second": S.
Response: {"hour": 7, "minute": 26}
